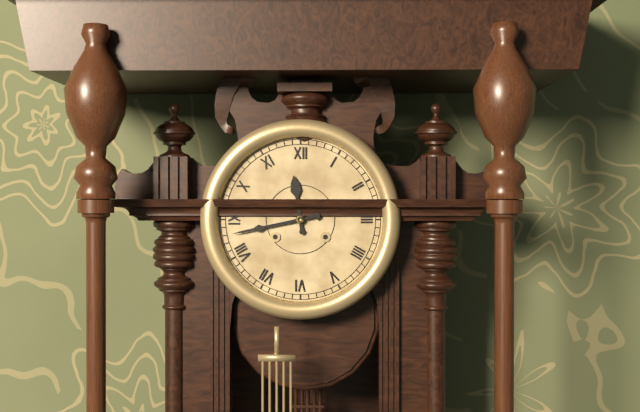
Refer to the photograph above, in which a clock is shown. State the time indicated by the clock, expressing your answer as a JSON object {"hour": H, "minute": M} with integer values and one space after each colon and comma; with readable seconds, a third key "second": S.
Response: {"hour": 11, "minute": 43}
